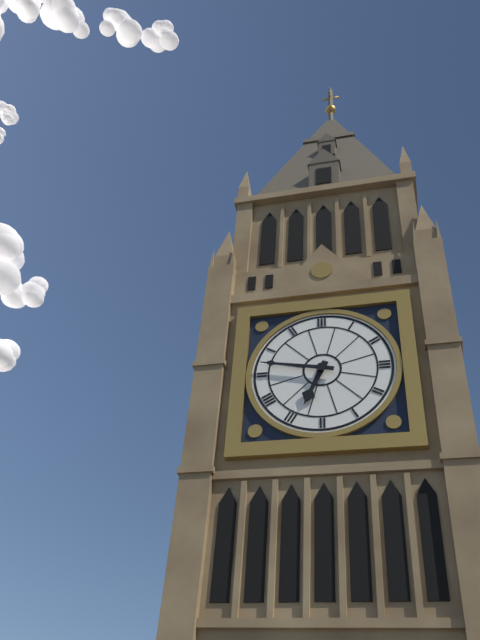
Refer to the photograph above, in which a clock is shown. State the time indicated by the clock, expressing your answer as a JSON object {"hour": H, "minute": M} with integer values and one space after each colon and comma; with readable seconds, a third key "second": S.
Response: {"hour": 6, "minute": 47}
